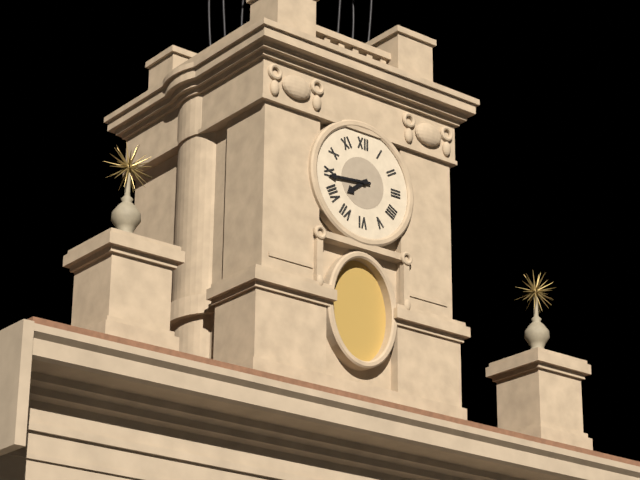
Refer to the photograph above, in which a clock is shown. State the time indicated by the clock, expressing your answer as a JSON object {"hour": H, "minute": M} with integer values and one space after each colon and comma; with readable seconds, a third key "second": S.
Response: {"hour": 7, "minute": 44}
